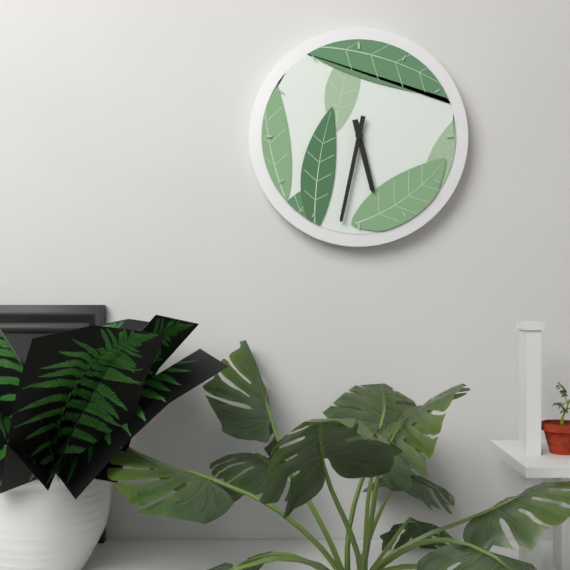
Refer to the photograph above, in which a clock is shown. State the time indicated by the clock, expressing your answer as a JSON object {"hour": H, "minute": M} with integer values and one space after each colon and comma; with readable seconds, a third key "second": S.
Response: {"hour": 5, "minute": 32}
